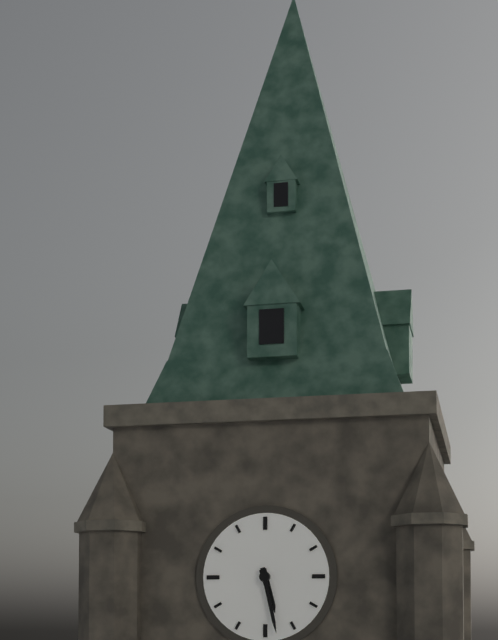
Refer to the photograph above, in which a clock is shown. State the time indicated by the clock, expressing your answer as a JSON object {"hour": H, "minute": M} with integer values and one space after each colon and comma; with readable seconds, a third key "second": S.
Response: {"hour": 5, "minute": 28}
